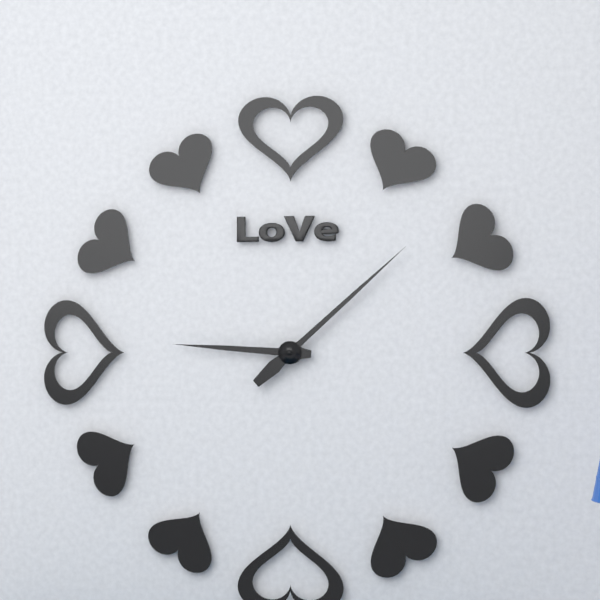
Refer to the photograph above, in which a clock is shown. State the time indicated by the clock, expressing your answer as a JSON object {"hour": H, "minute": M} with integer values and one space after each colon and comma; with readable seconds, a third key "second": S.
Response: {"hour": 9, "minute": 8}
